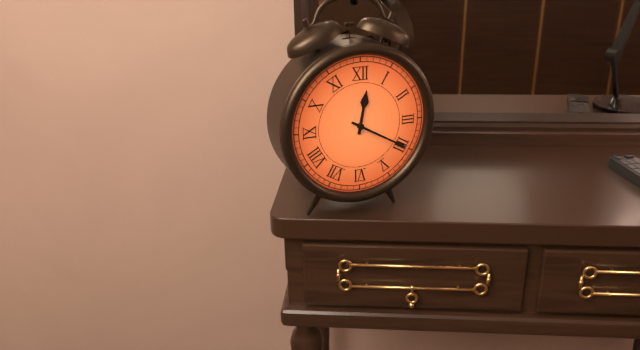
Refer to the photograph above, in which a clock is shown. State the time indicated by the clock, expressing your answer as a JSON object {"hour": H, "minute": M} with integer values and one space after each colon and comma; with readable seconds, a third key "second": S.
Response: {"hour": 12, "minute": 20}
